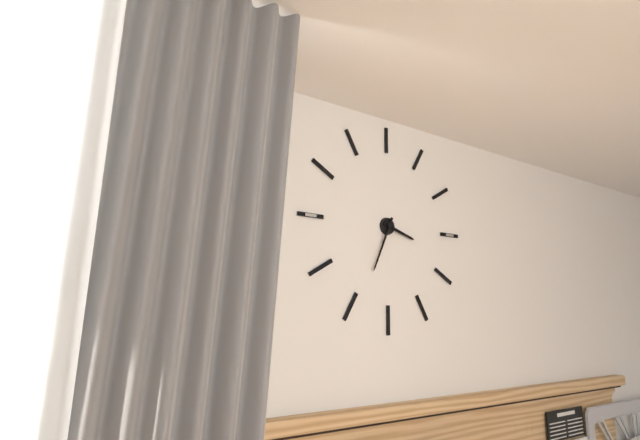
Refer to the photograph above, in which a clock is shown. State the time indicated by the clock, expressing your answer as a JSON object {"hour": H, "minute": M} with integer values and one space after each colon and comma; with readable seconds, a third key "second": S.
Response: {"hour": 3, "minute": 34}
